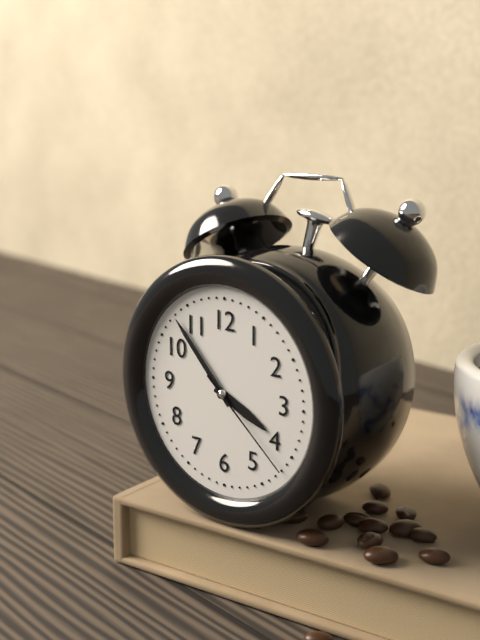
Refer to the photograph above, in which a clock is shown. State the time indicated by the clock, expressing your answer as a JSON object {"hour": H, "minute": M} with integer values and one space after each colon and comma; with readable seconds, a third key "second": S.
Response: {"hour": 3, "minute": 53, "second": 22}
